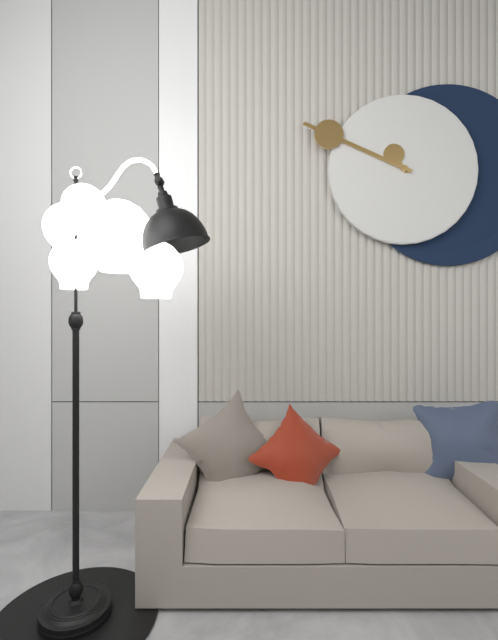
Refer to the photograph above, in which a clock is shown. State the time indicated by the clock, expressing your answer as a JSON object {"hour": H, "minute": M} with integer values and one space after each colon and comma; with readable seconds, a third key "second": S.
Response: {"hour": 10, "minute": 49}
